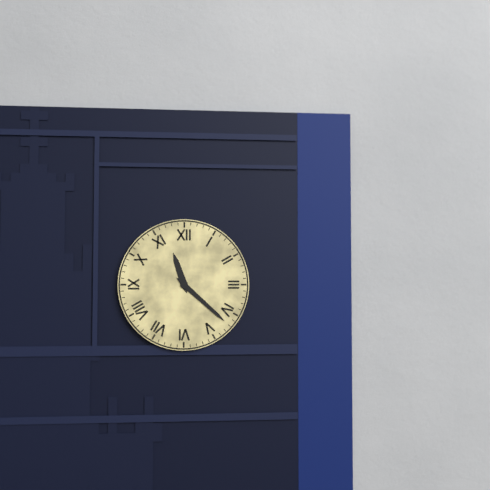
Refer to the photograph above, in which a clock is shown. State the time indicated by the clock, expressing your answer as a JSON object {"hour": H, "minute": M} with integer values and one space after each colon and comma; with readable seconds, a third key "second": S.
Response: {"hour": 11, "minute": 22}
